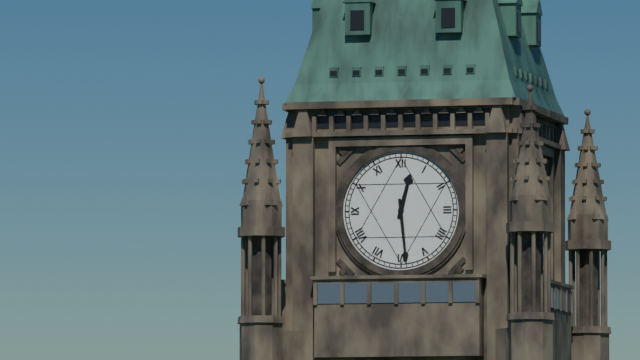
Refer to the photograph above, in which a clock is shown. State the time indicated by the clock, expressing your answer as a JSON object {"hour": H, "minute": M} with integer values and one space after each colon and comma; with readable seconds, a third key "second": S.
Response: {"hour": 12, "minute": 29}
